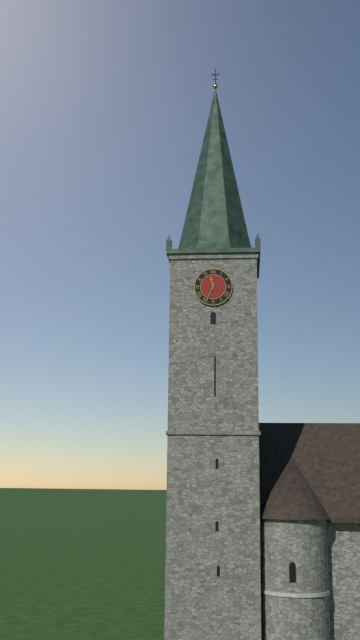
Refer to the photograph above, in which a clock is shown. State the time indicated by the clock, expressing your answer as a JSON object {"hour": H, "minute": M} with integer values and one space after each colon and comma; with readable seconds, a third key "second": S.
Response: {"hour": 11, "minute": 34}
